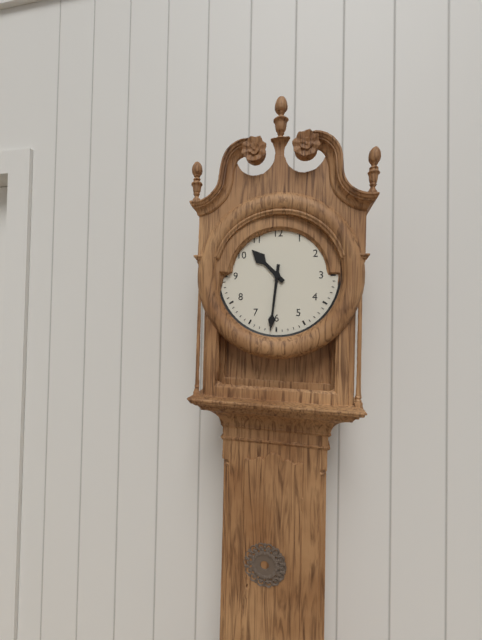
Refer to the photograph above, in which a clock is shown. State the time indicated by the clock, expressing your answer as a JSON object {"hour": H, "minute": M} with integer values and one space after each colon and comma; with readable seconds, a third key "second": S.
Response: {"hour": 10, "minute": 31}
